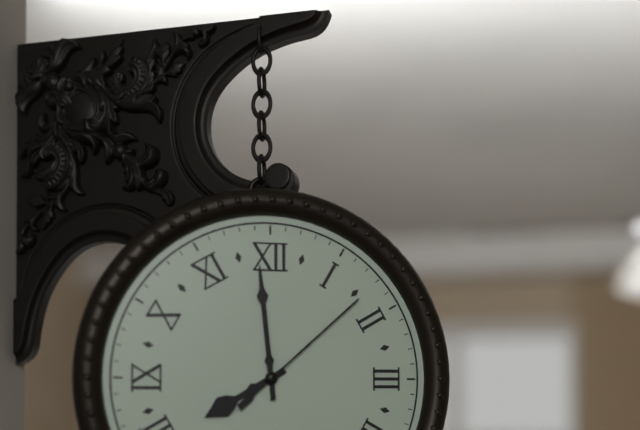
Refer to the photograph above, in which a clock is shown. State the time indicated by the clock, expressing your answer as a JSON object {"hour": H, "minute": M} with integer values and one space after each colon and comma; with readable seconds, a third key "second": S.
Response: {"hour": 7, "minute": 59, "second": 8}
